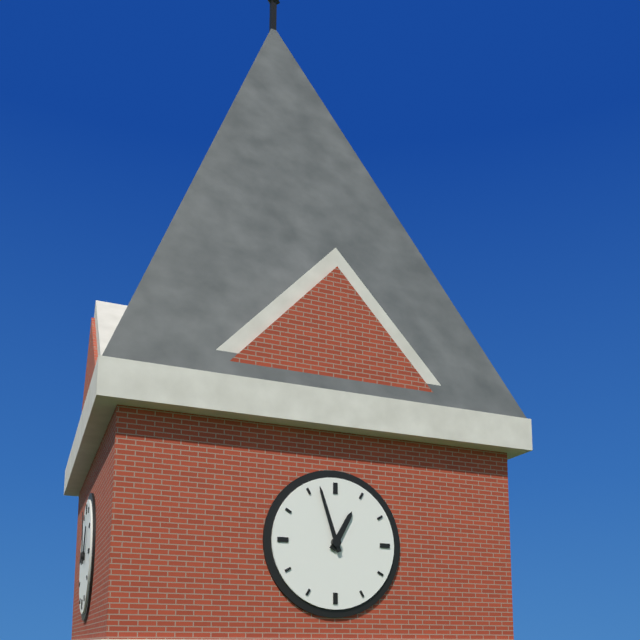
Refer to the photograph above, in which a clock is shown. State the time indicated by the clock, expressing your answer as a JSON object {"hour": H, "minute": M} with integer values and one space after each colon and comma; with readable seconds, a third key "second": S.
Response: {"hour": 12, "minute": 57}
